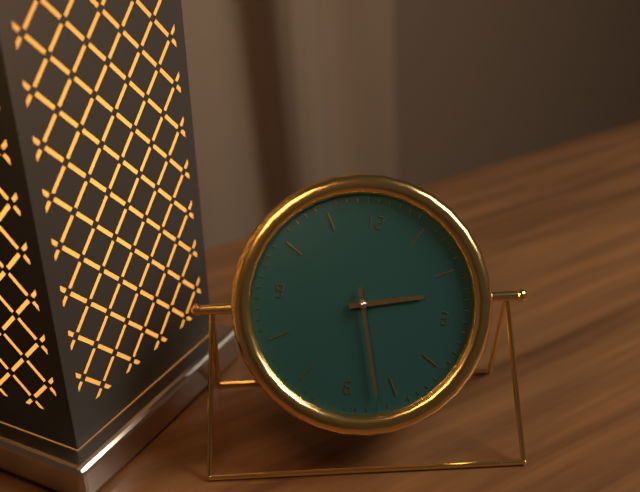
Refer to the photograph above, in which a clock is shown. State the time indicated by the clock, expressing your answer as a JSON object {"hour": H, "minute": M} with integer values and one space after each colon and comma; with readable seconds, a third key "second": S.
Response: {"hour": 2, "minute": 27}
